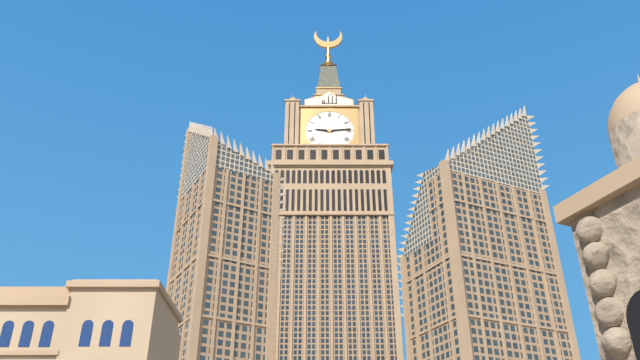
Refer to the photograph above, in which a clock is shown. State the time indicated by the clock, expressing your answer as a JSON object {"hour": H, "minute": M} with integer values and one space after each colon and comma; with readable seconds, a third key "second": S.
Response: {"hour": 9, "minute": 14}
